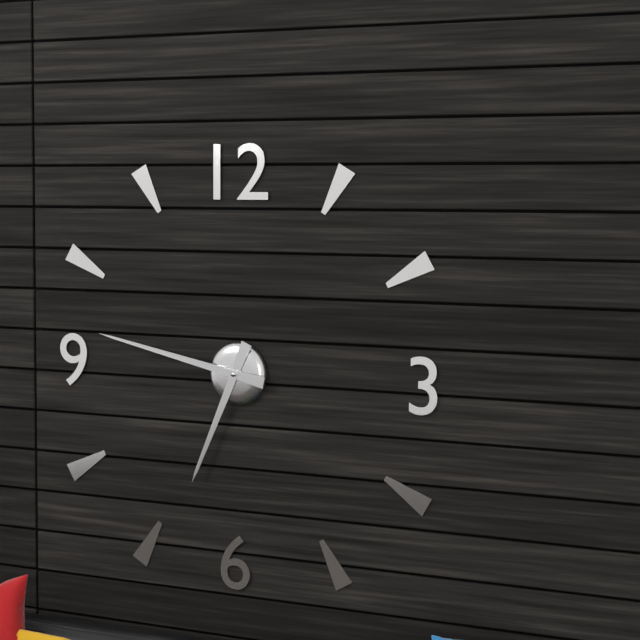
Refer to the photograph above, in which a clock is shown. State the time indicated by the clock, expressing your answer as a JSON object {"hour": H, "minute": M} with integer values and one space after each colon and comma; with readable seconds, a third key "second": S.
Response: {"hour": 6, "minute": 47}
